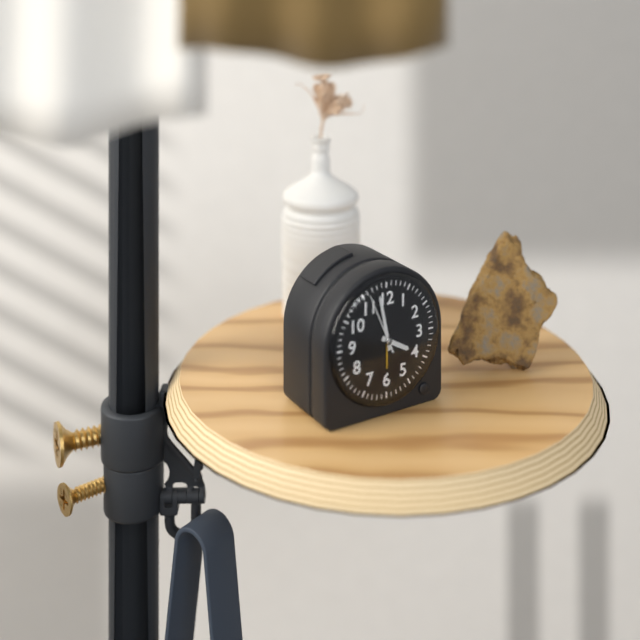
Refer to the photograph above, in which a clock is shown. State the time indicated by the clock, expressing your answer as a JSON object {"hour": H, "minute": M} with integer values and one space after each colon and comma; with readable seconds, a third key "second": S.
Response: {"hour": 3, "minute": 58}
